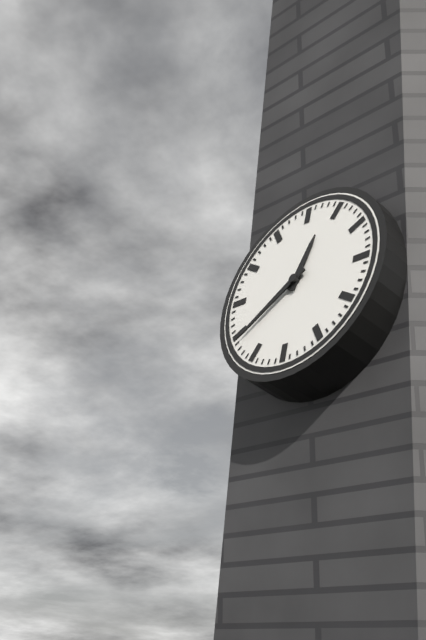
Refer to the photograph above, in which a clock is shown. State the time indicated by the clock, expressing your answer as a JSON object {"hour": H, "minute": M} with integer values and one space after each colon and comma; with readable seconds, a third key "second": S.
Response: {"hour": 12, "minute": 39}
